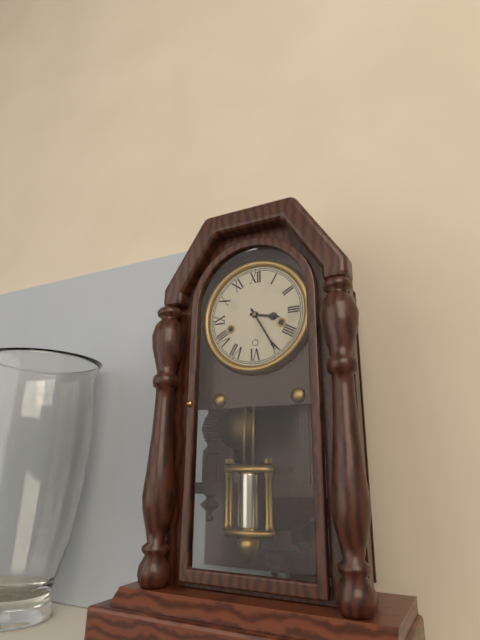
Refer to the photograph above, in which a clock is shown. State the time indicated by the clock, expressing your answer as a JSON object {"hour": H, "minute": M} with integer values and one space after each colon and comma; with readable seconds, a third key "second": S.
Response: {"hour": 3, "minute": 25}
